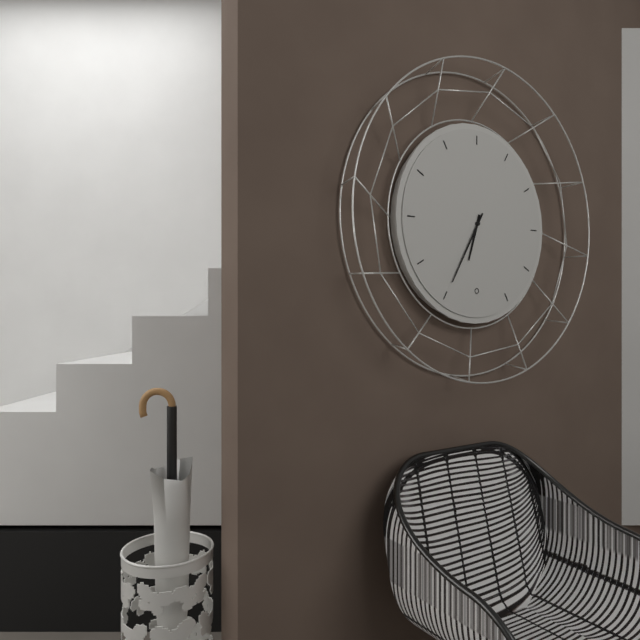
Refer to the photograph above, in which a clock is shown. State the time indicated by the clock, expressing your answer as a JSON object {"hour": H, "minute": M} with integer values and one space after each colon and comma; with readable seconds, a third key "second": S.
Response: {"hour": 6, "minute": 35}
